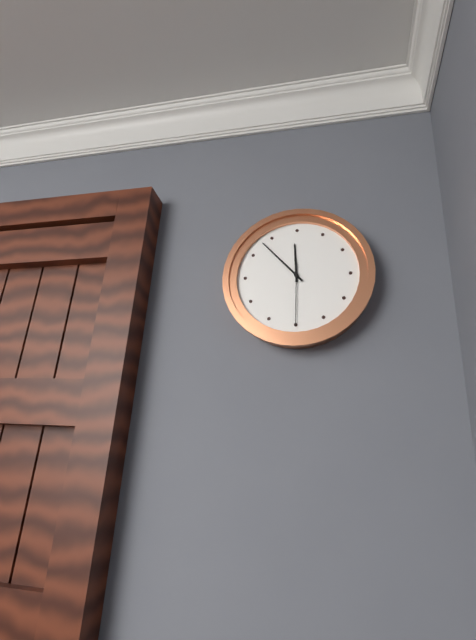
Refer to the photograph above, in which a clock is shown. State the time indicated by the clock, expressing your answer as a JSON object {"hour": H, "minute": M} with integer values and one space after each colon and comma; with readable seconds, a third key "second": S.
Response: {"hour": 11, "minute": 53, "second": 30}
